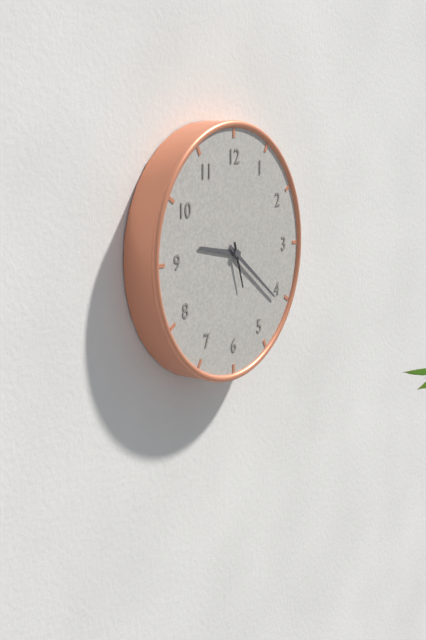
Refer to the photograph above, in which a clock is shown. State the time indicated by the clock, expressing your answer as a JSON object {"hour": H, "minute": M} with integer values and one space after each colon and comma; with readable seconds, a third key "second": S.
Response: {"hour": 9, "minute": 21}
